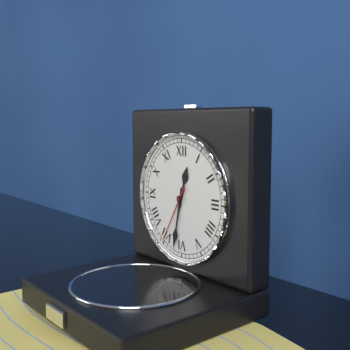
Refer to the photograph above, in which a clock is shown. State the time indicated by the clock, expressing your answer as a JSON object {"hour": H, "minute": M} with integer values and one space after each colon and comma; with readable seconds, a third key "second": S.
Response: {"hour": 12, "minute": 32, "second": 35}
